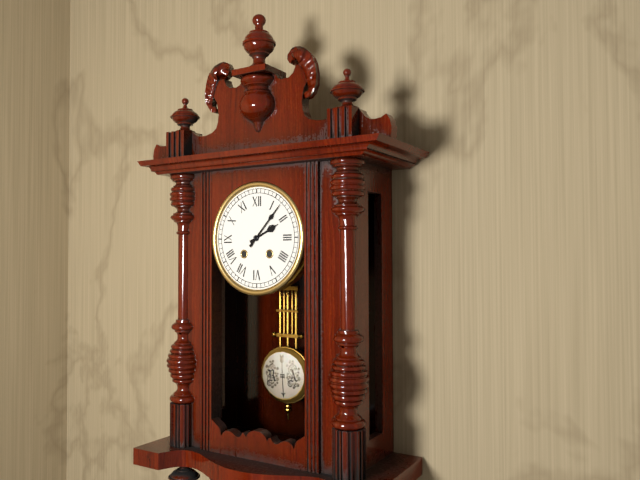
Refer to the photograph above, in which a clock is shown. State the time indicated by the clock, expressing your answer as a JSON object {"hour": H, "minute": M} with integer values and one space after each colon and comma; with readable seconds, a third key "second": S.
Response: {"hour": 2, "minute": 7}
